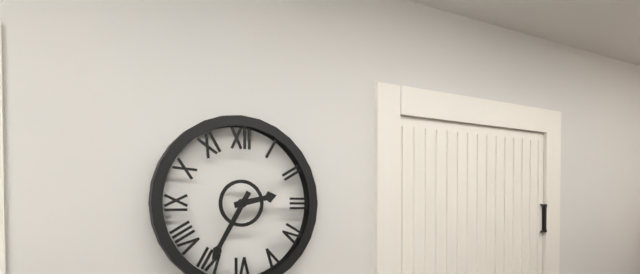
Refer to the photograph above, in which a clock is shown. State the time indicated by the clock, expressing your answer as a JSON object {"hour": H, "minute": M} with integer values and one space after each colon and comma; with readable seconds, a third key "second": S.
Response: {"hour": 2, "minute": 35}
